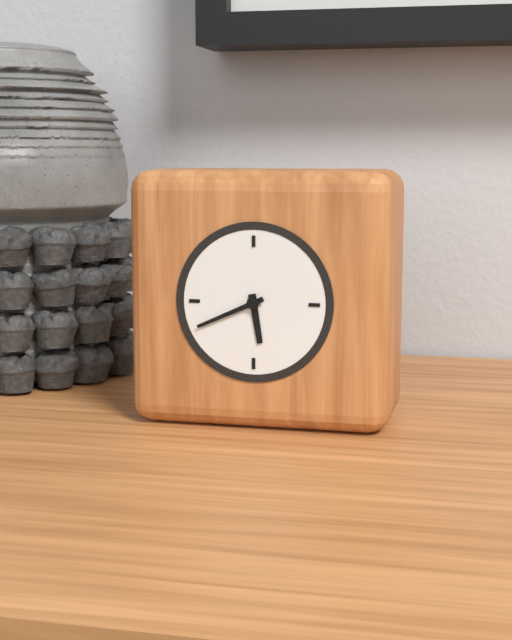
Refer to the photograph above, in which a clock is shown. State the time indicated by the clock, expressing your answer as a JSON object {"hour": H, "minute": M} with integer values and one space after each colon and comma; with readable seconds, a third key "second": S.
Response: {"hour": 5, "minute": 41}
